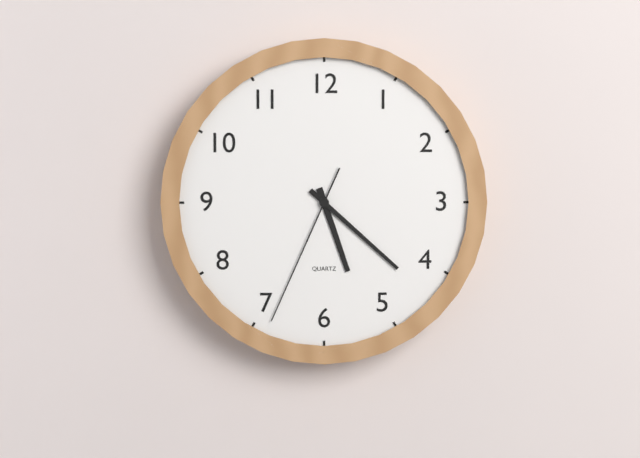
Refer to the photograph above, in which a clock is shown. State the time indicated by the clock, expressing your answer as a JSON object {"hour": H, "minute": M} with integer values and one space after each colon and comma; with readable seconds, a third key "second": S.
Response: {"hour": 5, "minute": 22, "second": 34}
